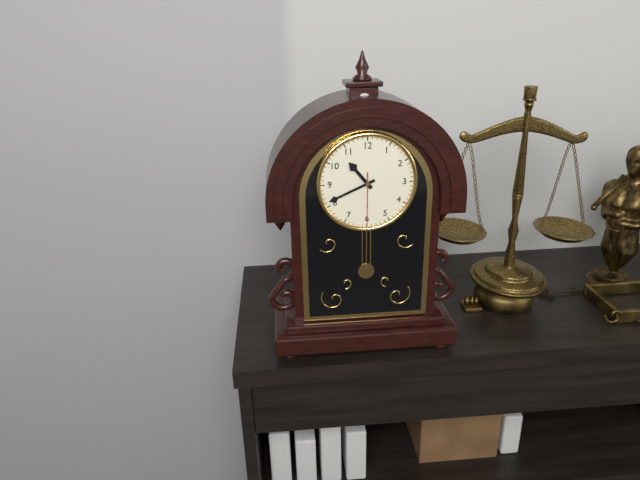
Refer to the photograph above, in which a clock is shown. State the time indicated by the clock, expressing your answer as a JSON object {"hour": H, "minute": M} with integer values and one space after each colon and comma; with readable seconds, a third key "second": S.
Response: {"hour": 10, "minute": 41, "second": 30}
